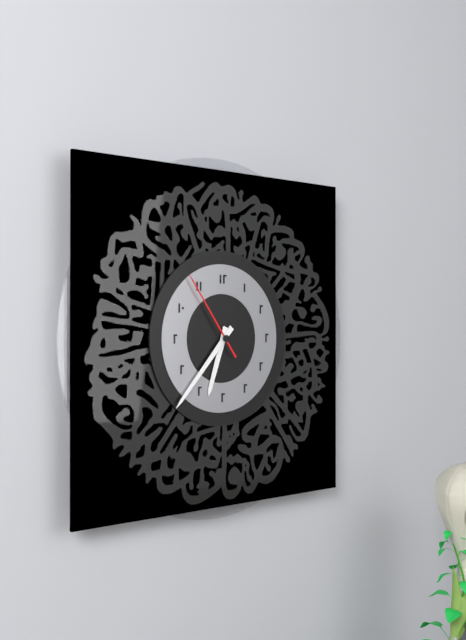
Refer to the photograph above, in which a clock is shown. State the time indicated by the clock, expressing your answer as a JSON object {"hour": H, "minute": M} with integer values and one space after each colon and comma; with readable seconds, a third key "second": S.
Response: {"hour": 6, "minute": 37, "second": 54}
